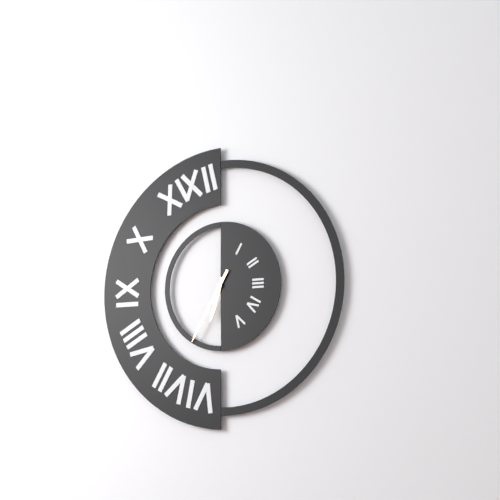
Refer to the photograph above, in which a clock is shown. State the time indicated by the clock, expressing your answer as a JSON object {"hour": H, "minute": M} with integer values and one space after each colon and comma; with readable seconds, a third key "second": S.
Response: {"hour": 6, "minute": 35}
